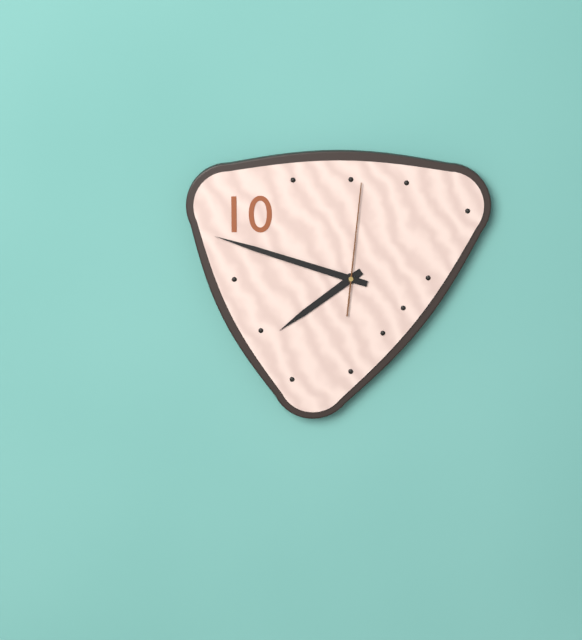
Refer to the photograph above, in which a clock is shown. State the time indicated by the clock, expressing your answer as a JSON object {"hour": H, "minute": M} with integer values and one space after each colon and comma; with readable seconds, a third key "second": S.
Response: {"hour": 7, "minute": 48, "second": 1}
